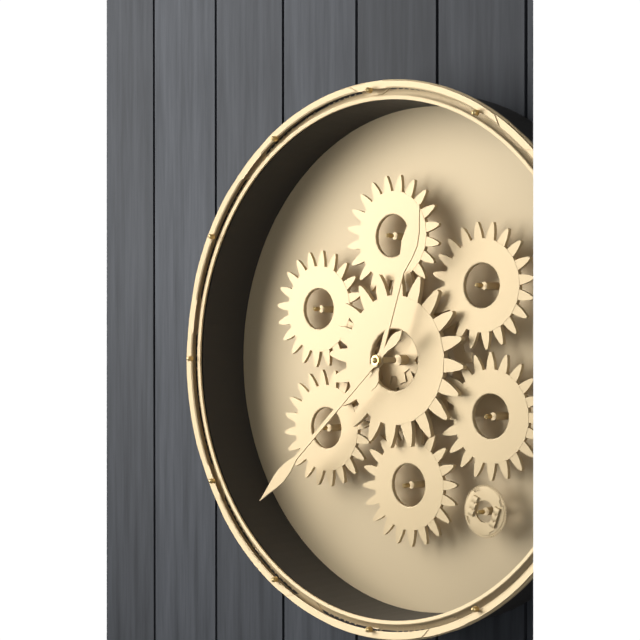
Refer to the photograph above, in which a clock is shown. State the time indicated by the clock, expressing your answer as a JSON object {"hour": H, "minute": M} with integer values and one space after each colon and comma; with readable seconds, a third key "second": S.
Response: {"hour": 12, "minute": 38}
